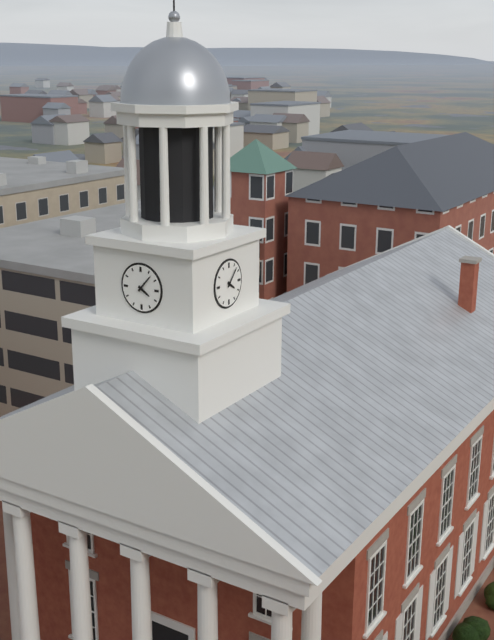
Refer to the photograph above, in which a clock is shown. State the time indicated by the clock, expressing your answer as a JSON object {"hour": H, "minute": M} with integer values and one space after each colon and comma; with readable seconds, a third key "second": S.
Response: {"hour": 4, "minute": 7}
